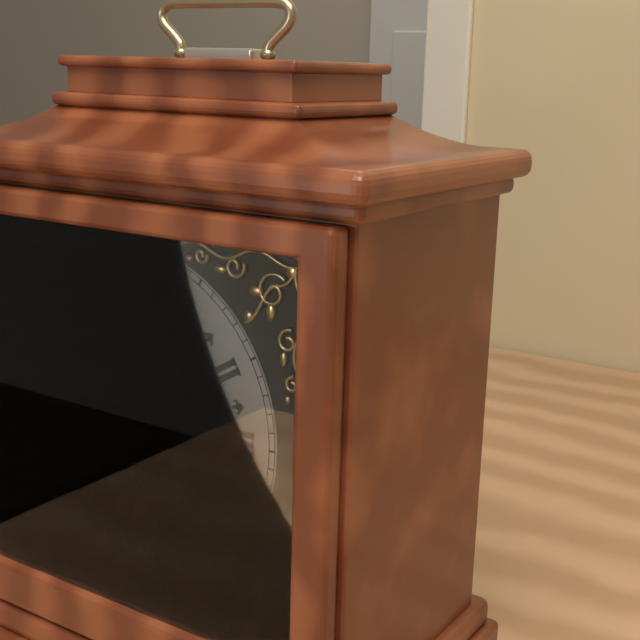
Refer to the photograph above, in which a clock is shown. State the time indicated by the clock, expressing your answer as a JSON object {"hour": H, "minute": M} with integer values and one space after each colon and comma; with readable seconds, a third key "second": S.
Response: {"hour": 8, "minute": 49}
